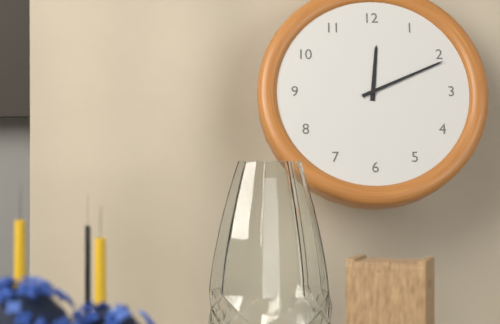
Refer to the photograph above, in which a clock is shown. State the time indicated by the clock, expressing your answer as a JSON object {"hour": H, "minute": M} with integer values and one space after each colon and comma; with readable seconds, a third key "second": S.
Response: {"hour": 12, "minute": 11}
